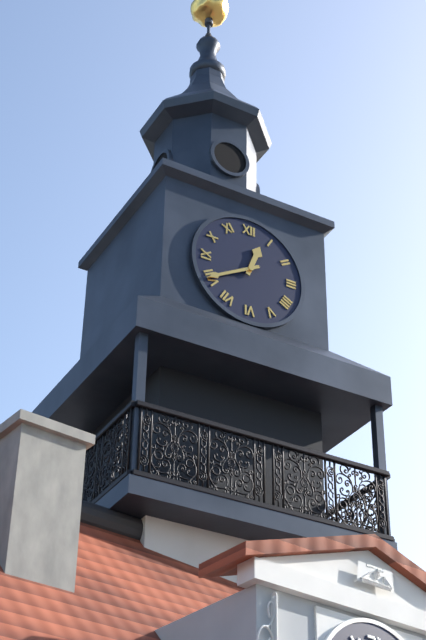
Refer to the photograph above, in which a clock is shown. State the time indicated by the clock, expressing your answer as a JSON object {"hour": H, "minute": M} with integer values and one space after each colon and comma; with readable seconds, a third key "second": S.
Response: {"hour": 12, "minute": 40}
